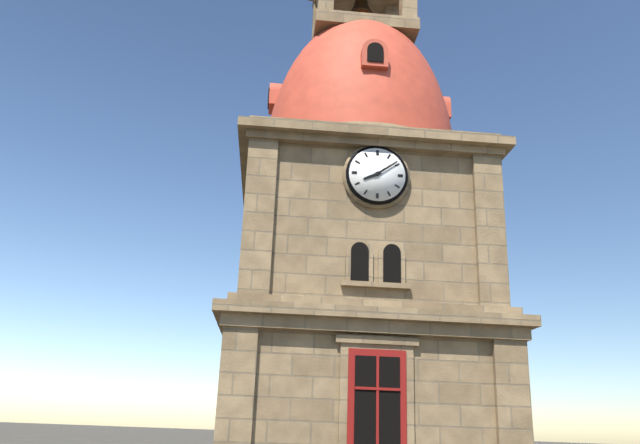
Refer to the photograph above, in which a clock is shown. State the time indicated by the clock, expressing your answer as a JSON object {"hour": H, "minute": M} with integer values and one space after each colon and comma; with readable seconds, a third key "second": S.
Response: {"hour": 8, "minute": 9}
